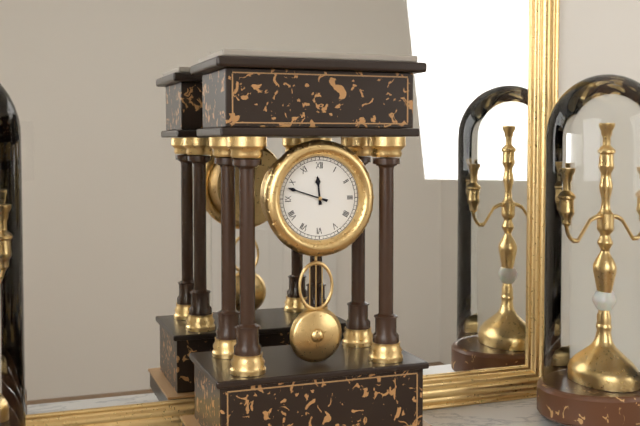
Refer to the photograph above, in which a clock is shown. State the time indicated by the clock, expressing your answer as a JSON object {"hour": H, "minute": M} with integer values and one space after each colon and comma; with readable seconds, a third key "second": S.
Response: {"hour": 11, "minute": 48}
